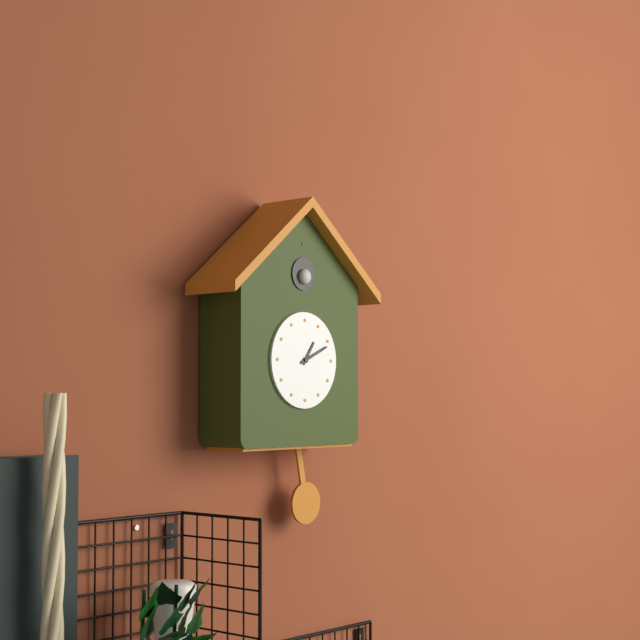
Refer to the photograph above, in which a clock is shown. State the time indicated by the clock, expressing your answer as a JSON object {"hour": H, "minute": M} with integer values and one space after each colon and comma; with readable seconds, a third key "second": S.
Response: {"hour": 1, "minute": 11}
